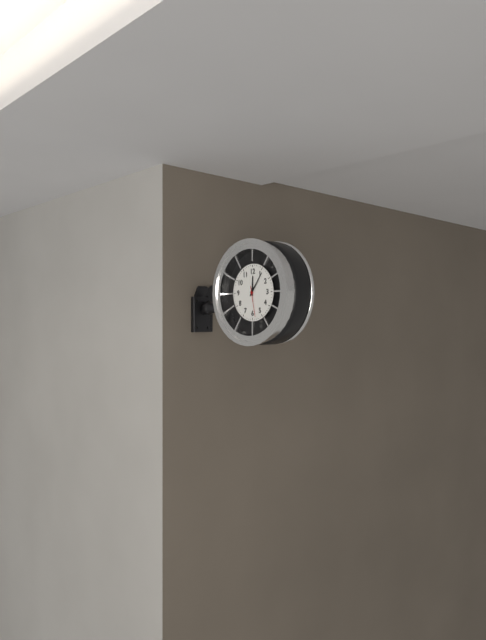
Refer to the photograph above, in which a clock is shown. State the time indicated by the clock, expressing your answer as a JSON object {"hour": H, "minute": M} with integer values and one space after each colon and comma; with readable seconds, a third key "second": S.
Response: {"hour": 12, "minute": 6}
